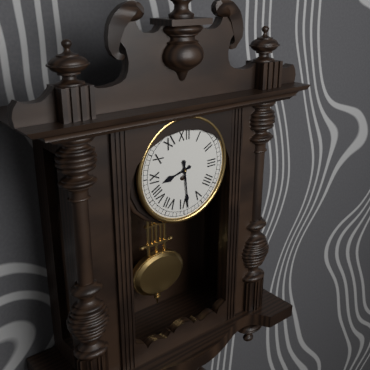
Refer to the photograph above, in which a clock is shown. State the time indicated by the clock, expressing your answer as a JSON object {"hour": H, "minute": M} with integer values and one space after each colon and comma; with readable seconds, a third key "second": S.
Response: {"hour": 8, "minute": 29}
